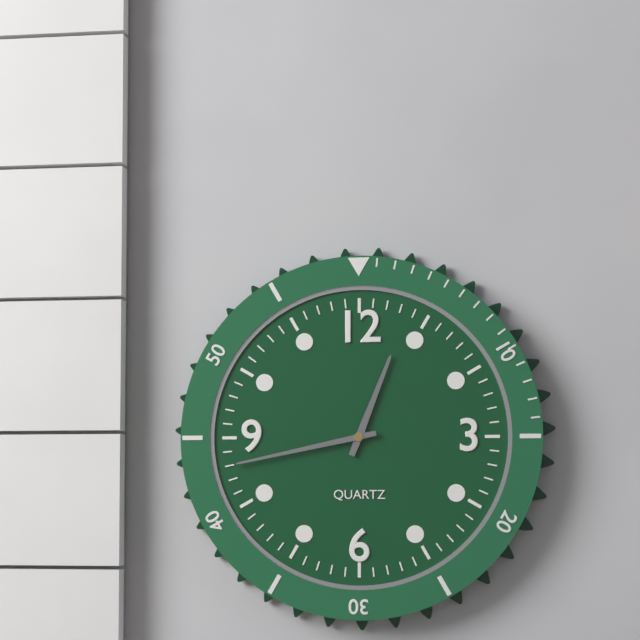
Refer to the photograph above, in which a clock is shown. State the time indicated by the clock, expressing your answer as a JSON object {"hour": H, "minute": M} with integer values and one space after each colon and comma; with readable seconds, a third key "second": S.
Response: {"hour": 12, "minute": 43}
